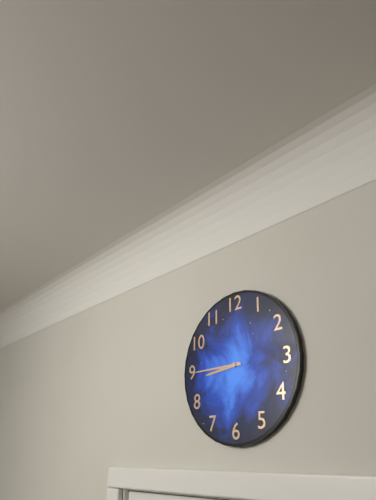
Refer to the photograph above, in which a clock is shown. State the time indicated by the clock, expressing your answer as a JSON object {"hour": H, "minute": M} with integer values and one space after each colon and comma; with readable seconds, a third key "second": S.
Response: {"hour": 8, "minute": 45}
